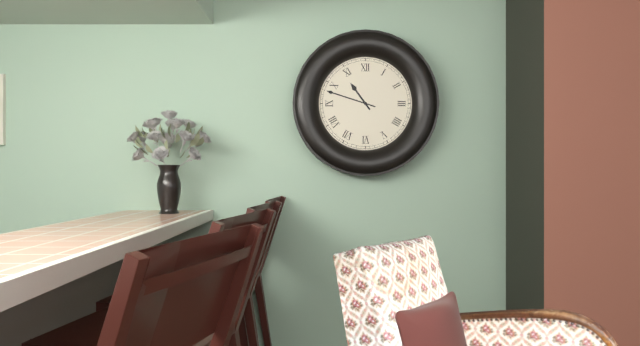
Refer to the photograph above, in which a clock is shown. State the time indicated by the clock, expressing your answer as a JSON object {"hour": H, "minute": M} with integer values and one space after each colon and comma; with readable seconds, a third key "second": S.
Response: {"hour": 10, "minute": 48}
